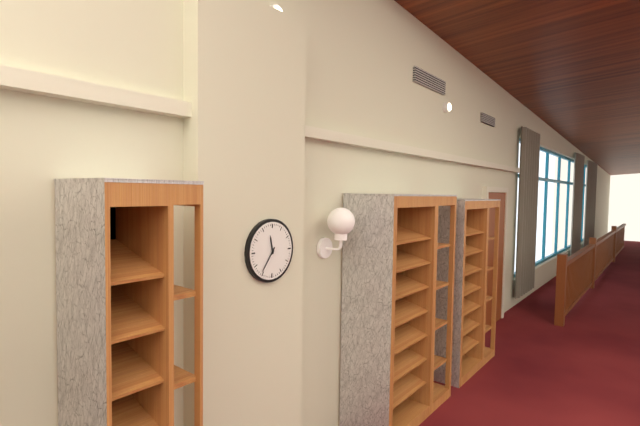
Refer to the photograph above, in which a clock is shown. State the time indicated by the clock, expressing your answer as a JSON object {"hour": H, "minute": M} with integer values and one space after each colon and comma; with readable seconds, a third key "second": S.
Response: {"hour": 11, "minute": 36}
